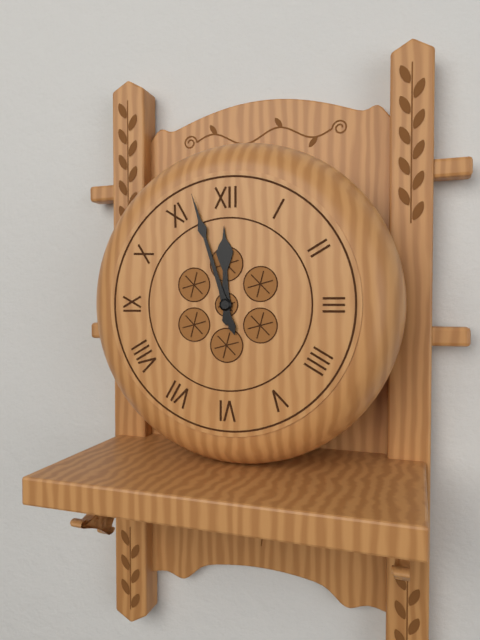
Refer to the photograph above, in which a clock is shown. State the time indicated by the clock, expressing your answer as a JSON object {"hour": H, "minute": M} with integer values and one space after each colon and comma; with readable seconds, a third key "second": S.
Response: {"hour": 11, "minute": 57}
